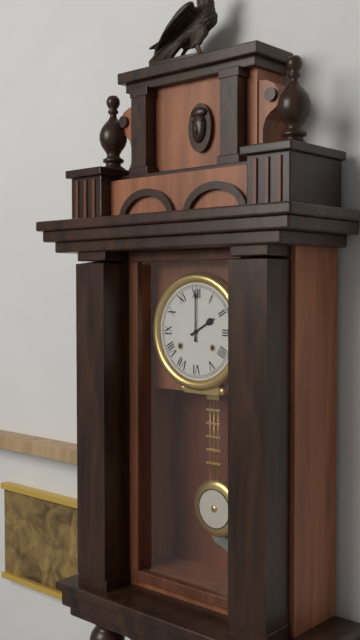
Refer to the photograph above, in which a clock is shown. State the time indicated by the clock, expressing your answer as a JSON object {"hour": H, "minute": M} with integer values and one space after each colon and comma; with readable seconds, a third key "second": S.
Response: {"hour": 2, "minute": 0}
